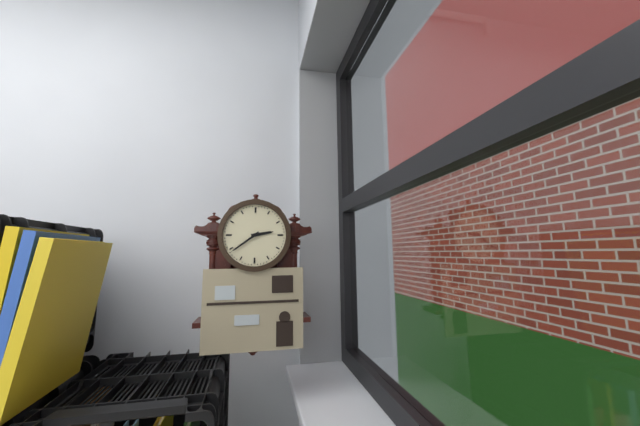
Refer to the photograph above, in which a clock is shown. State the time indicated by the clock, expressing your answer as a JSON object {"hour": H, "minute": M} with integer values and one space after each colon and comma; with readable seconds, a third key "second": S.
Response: {"hour": 2, "minute": 39}
